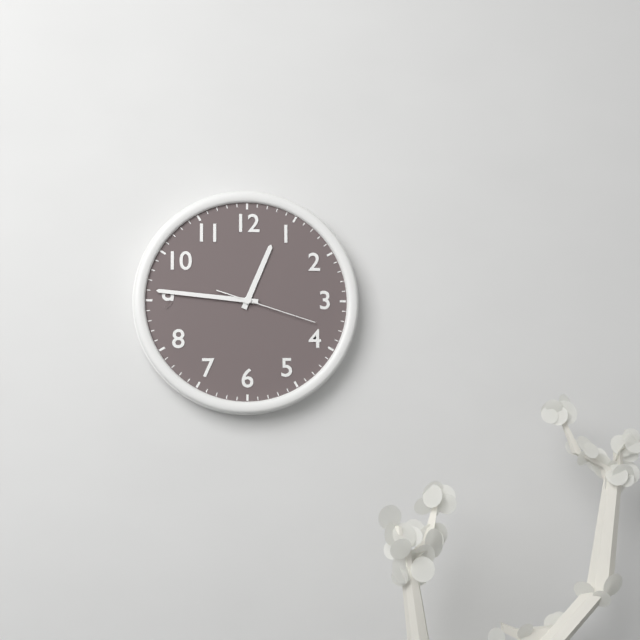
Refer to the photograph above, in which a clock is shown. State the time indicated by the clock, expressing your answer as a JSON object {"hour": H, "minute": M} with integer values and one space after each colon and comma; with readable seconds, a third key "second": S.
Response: {"hour": 12, "minute": 46, "second": 18}
